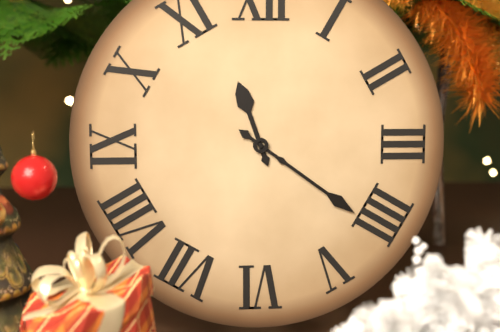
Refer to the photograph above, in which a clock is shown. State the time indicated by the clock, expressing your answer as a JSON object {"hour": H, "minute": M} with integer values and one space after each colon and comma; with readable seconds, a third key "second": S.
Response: {"hour": 11, "minute": 21}
